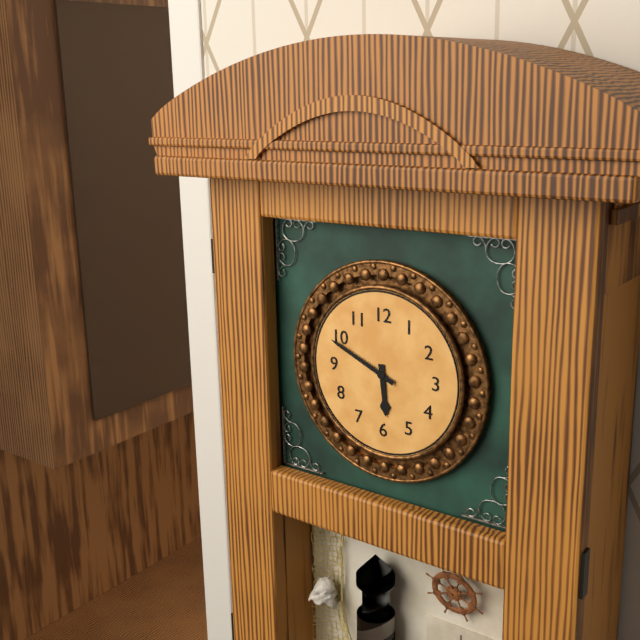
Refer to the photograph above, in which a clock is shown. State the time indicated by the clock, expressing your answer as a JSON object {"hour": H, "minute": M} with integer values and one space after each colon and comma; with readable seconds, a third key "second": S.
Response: {"hour": 5, "minute": 49}
